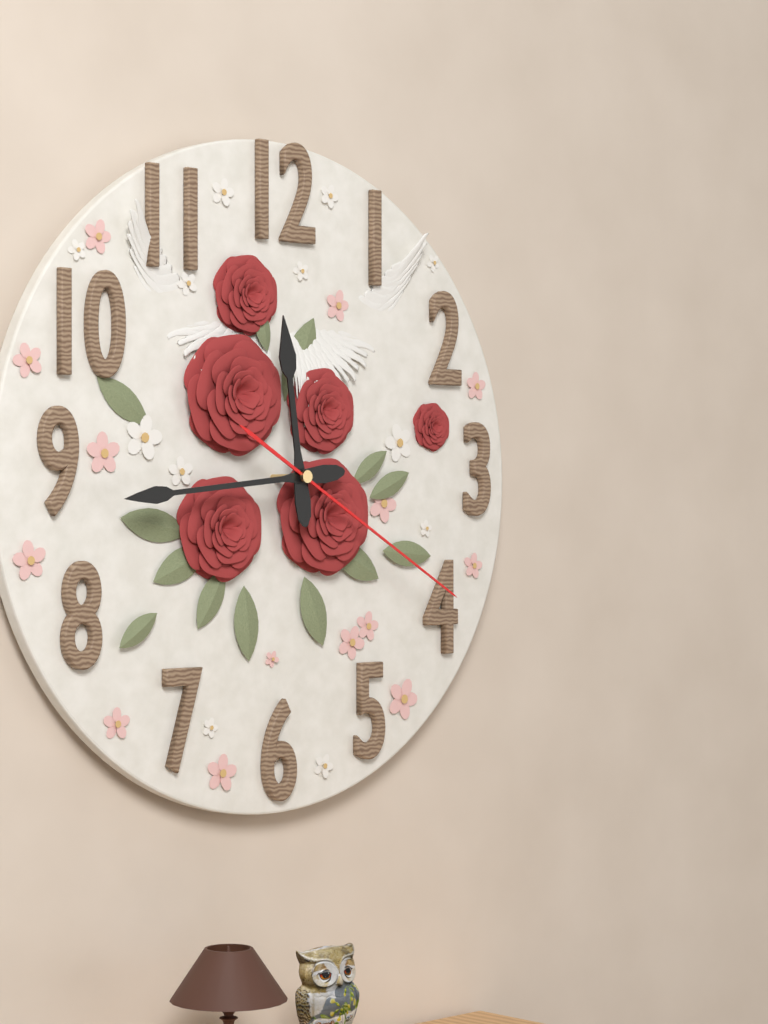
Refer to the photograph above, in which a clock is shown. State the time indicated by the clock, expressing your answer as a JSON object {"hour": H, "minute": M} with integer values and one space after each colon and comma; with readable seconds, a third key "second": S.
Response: {"hour": 11, "minute": 44, "second": 20}
